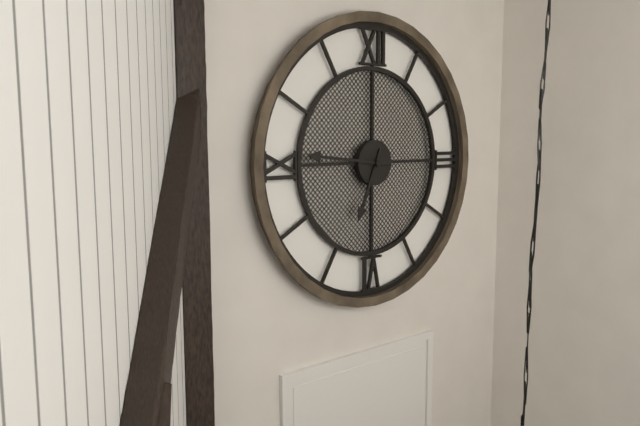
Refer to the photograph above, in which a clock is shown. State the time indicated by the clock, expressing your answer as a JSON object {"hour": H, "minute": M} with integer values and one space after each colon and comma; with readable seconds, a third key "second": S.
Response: {"hour": 6, "minute": 46}
